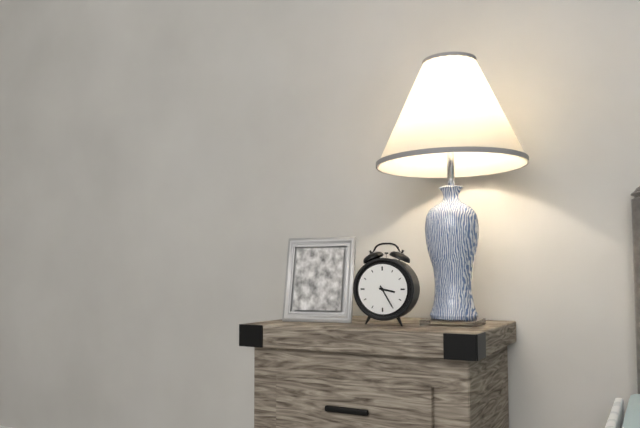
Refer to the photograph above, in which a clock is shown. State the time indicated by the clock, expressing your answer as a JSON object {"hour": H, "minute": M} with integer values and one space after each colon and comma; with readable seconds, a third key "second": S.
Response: {"hour": 3, "minute": 25}
